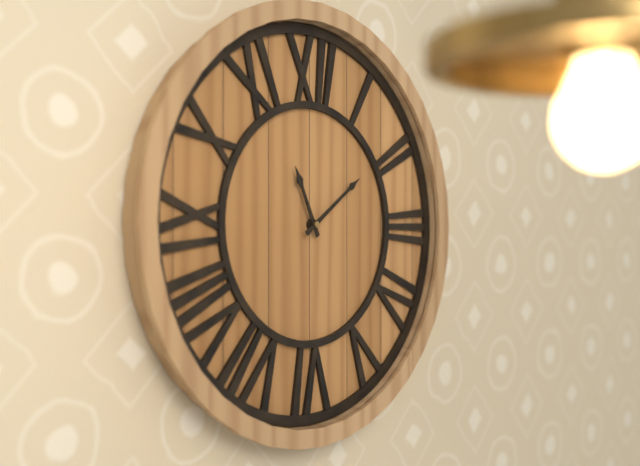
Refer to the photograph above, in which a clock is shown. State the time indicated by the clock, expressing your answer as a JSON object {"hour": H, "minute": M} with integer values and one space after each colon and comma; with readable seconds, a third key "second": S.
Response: {"hour": 11, "minute": 9}
